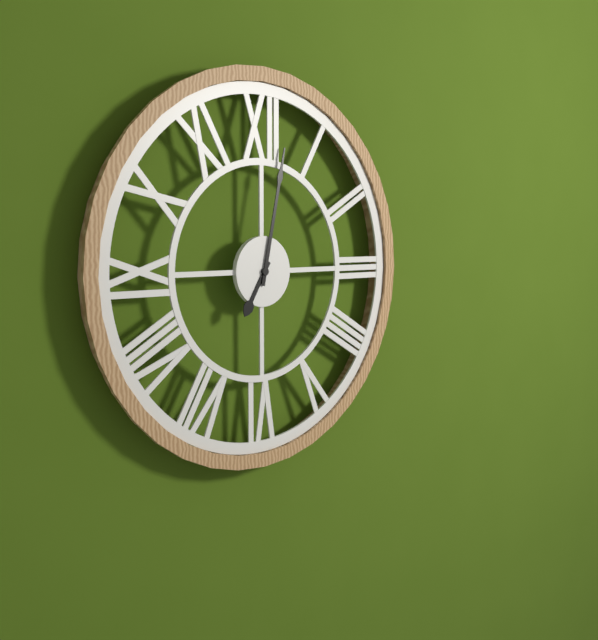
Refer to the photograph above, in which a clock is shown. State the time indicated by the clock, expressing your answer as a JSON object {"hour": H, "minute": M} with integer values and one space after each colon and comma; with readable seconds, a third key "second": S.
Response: {"hour": 7, "minute": 2}
